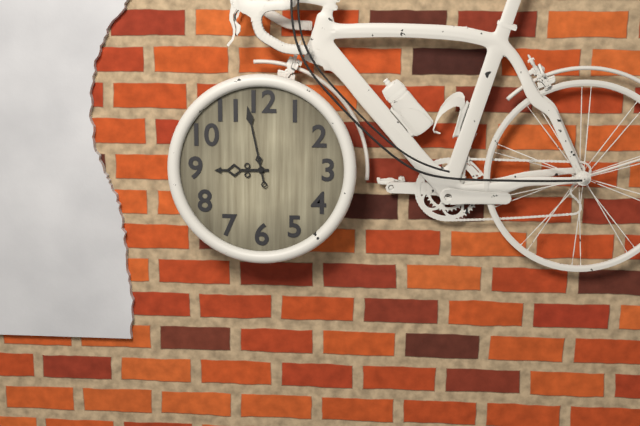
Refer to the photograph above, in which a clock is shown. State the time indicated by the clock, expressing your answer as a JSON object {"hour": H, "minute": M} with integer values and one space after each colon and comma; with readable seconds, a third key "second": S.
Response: {"hour": 8, "minute": 58}
